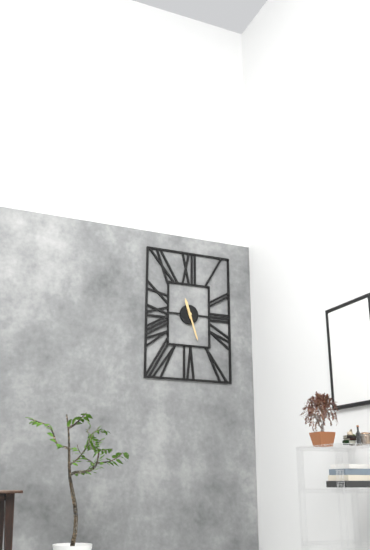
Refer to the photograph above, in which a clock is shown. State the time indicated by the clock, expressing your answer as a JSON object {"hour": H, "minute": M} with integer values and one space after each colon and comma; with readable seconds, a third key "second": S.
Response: {"hour": 11, "minute": 27}
